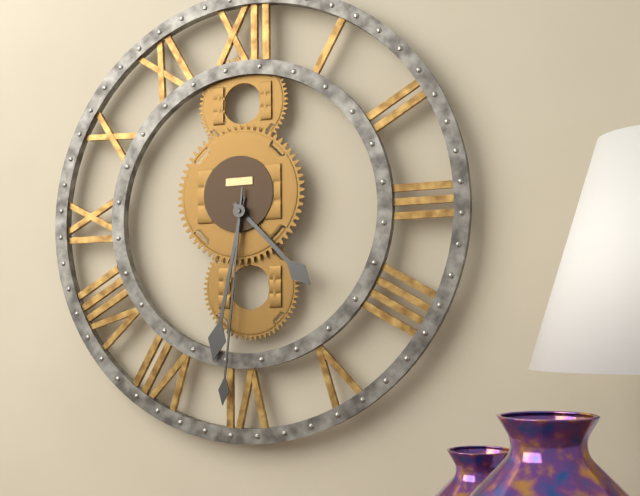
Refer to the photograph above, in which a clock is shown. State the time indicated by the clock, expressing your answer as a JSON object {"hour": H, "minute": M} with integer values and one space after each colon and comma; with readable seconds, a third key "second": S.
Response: {"hour": 4, "minute": 32, "second": 31}
